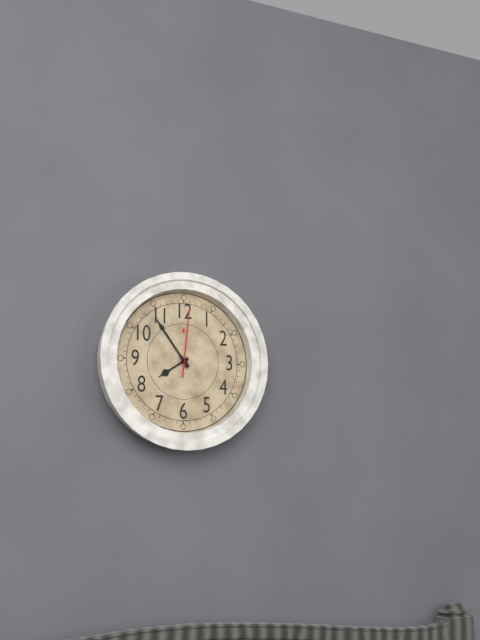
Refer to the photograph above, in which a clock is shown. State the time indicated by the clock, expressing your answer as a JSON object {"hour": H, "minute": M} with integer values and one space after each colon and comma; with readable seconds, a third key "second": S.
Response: {"hour": 7, "minute": 54, "second": 1}
